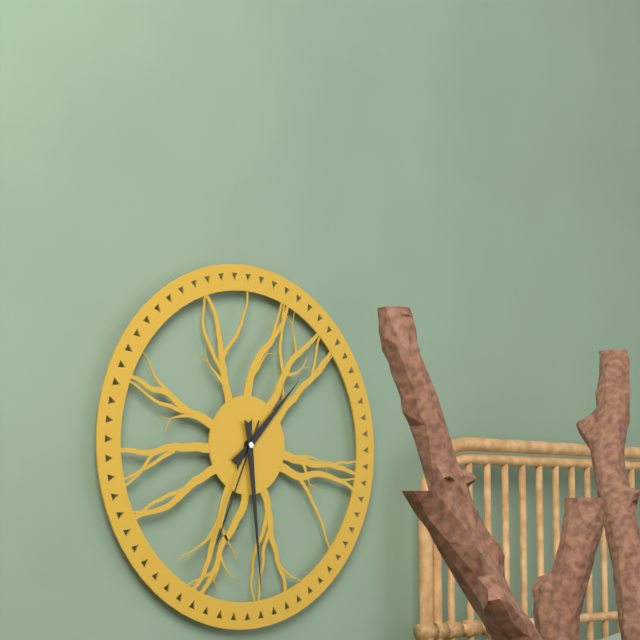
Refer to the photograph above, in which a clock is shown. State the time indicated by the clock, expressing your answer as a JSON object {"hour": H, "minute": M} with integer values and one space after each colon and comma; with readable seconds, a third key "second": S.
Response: {"hour": 1, "minute": 29, "second": 34}
